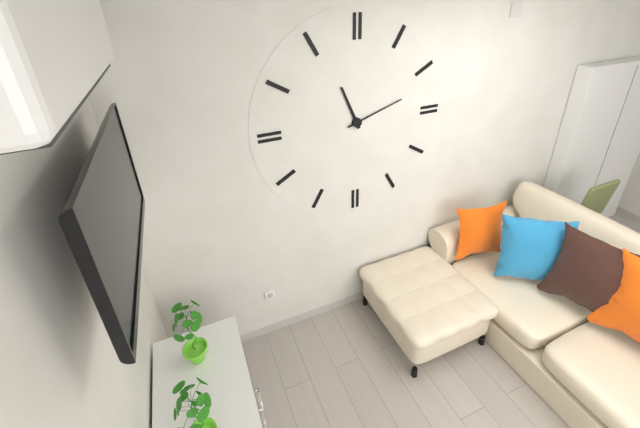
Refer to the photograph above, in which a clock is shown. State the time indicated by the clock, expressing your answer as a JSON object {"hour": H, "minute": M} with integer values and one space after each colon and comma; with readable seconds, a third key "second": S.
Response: {"hour": 11, "minute": 12}
